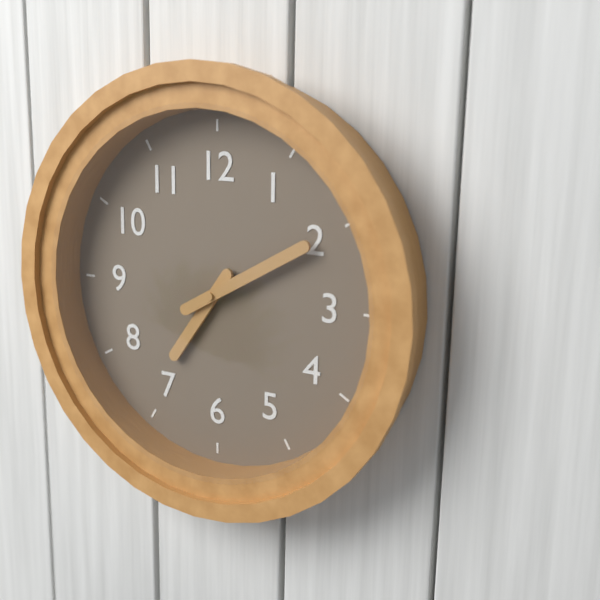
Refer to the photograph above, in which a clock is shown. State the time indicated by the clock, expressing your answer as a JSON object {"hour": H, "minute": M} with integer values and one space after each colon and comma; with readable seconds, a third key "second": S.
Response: {"hour": 7, "minute": 10}
